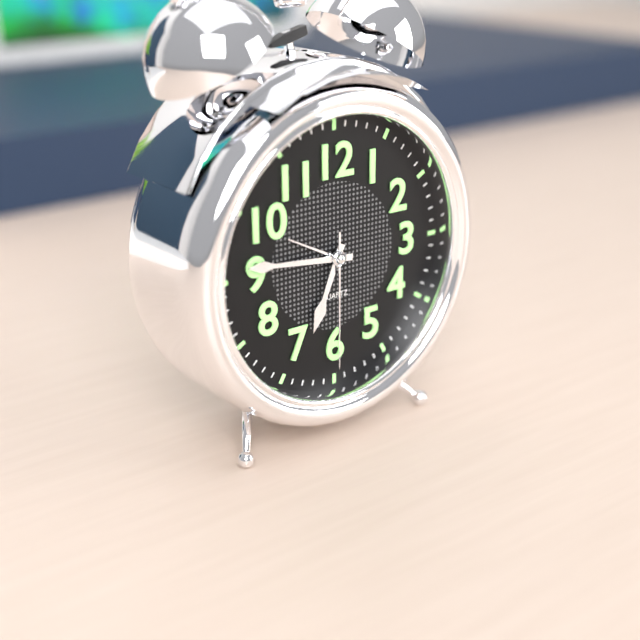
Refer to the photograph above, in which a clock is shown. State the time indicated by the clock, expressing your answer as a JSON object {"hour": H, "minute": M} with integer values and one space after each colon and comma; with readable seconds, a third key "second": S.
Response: {"hour": 6, "minute": 46, "second": 30}
